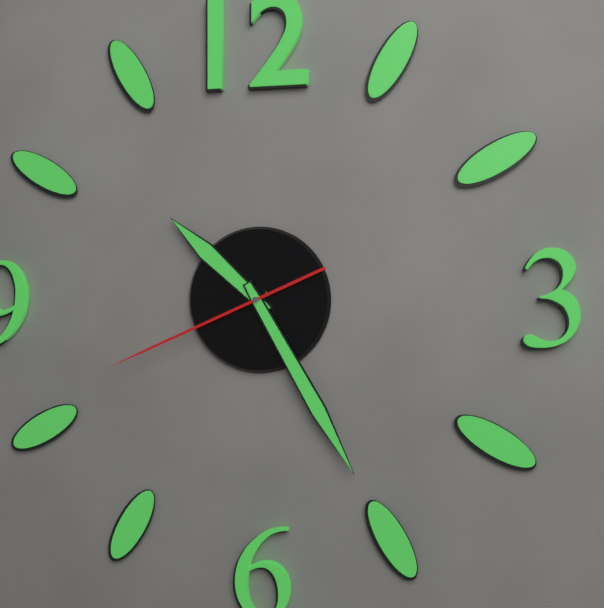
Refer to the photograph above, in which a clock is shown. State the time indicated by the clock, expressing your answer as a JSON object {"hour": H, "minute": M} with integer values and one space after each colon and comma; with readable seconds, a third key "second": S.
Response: {"hour": 10, "minute": 25, "second": 41}
